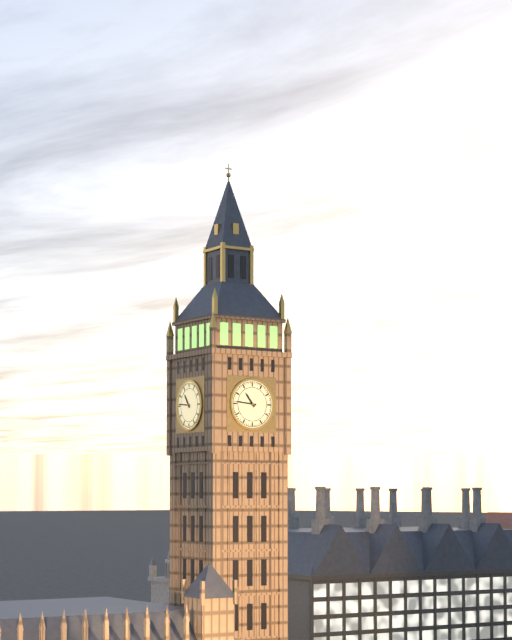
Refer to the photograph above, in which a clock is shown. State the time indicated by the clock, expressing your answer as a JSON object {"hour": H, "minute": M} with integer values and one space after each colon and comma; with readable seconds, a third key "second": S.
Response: {"hour": 10, "minute": 46}
